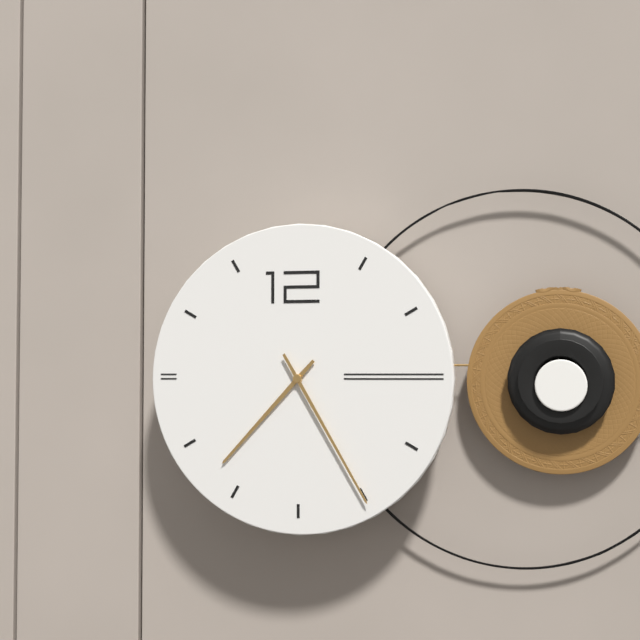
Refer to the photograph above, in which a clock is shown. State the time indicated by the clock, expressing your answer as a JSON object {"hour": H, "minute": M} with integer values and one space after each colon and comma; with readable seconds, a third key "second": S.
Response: {"hour": 7, "minute": 25}
